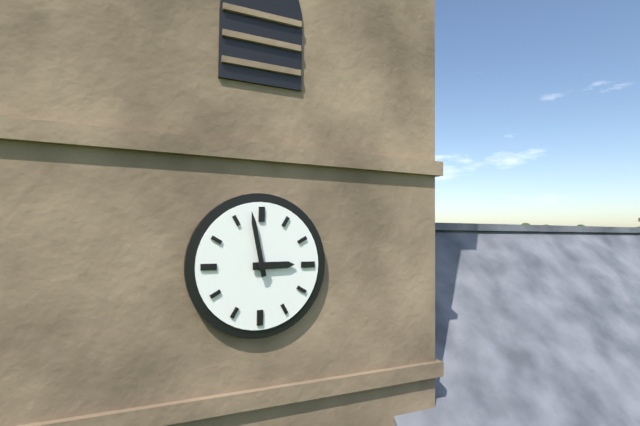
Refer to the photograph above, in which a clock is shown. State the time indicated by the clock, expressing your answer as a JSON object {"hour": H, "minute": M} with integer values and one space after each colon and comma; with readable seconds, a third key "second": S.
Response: {"hour": 2, "minute": 58}
